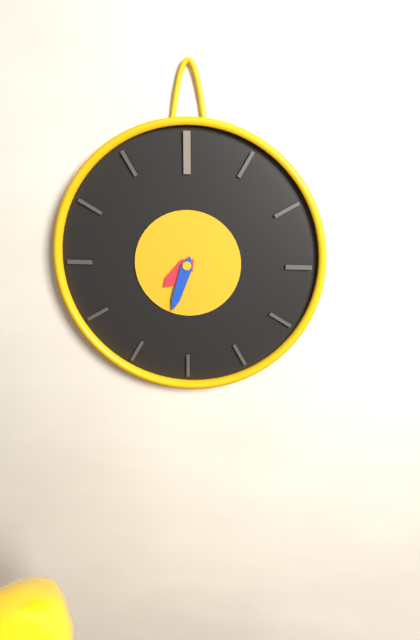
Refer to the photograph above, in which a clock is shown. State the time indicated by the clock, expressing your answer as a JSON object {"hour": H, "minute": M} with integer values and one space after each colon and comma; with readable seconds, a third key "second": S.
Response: {"hour": 7, "minute": 33}
